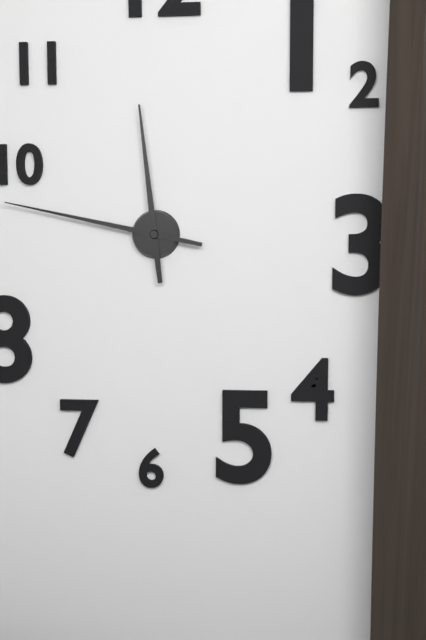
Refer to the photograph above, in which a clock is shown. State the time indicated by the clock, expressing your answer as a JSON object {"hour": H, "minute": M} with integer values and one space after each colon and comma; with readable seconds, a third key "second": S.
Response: {"hour": 11, "minute": 47}
